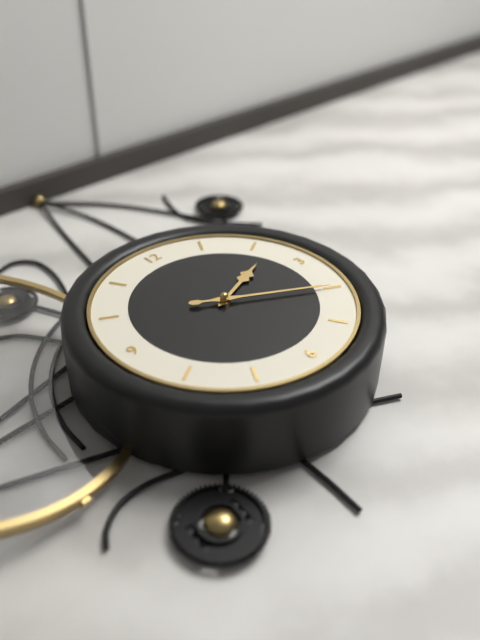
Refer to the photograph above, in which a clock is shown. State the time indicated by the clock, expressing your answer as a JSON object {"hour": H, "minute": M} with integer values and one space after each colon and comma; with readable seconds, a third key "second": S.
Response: {"hour": 2, "minute": 20}
